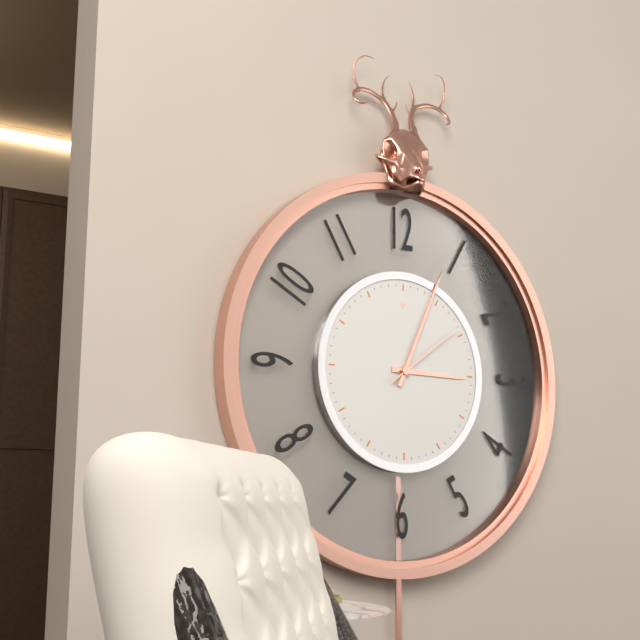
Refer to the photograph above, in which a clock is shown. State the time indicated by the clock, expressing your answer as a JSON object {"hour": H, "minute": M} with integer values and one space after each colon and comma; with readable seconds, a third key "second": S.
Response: {"hour": 3, "minute": 4, "second": 9}
